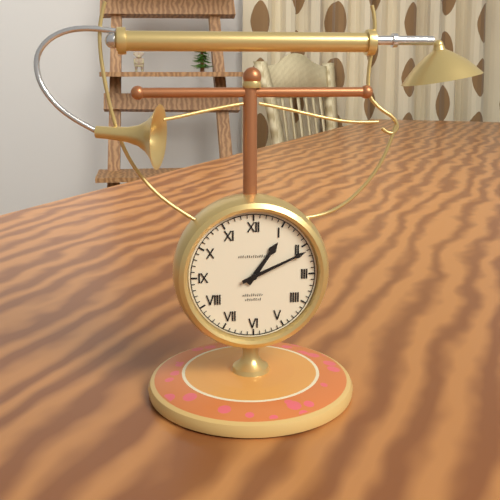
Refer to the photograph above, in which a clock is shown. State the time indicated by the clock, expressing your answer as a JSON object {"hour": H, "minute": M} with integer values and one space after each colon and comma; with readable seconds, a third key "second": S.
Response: {"hour": 1, "minute": 11}
